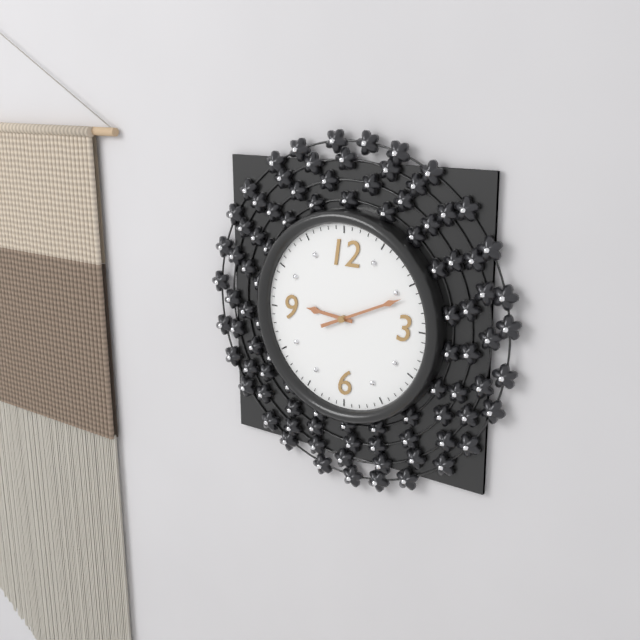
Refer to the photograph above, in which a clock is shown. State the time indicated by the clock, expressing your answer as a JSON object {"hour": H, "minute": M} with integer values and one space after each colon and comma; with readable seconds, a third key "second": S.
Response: {"hour": 9, "minute": 11}
